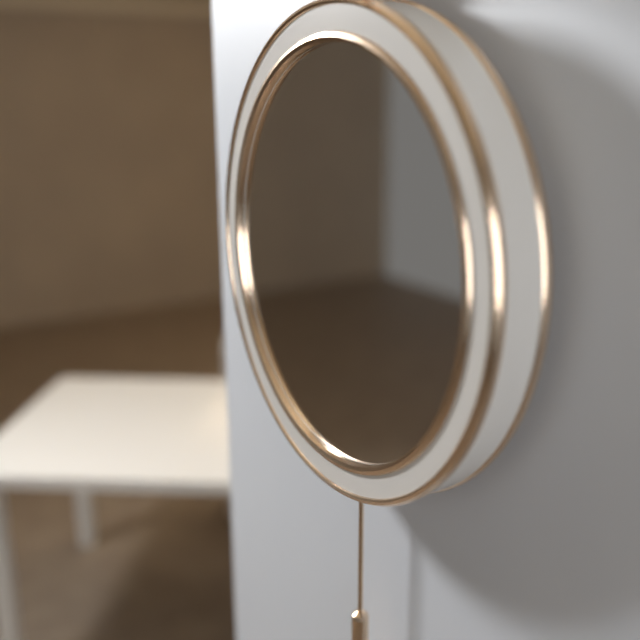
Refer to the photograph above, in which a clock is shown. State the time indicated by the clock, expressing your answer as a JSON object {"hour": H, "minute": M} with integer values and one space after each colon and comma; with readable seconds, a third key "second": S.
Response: {"hour": 11, "minute": 27}
